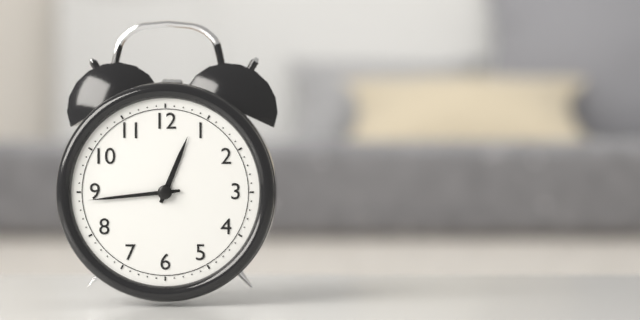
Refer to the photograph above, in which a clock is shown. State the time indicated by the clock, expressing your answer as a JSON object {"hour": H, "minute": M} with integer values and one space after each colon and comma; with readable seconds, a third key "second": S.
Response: {"hour": 12, "minute": 44}
